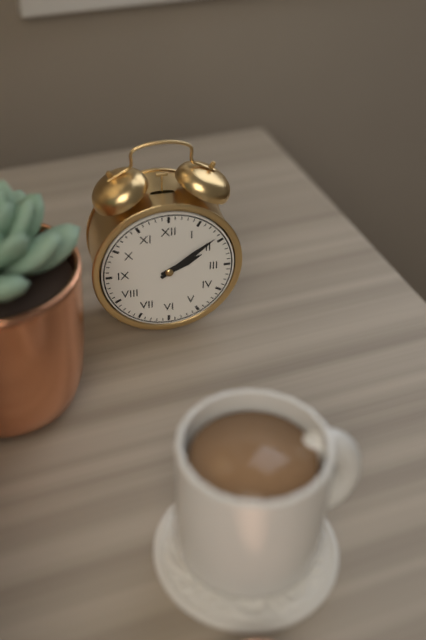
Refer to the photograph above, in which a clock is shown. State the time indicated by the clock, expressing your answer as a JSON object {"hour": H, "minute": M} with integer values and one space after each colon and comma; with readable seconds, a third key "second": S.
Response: {"hour": 2, "minute": 9}
